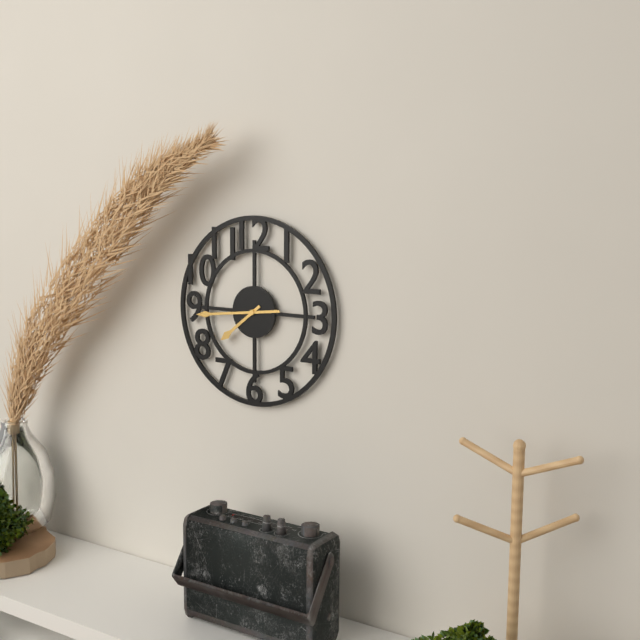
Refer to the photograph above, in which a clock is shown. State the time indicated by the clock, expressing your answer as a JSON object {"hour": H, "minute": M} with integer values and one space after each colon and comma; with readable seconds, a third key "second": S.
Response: {"hour": 7, "minute": 44}
